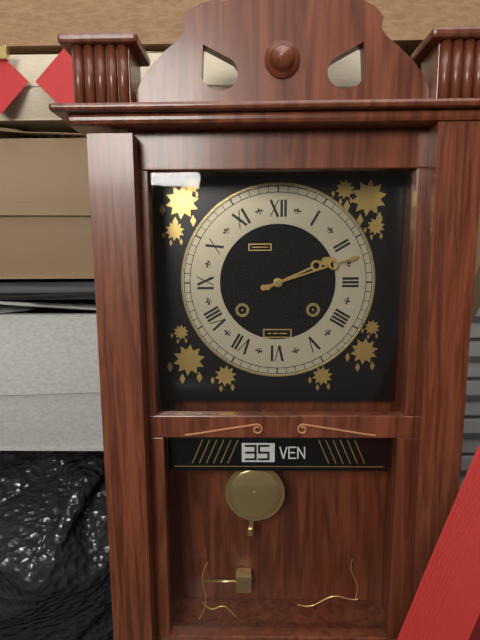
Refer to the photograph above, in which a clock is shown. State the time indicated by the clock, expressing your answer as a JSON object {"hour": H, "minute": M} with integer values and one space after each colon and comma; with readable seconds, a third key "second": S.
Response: {"hour": 2, "minute": 12}
